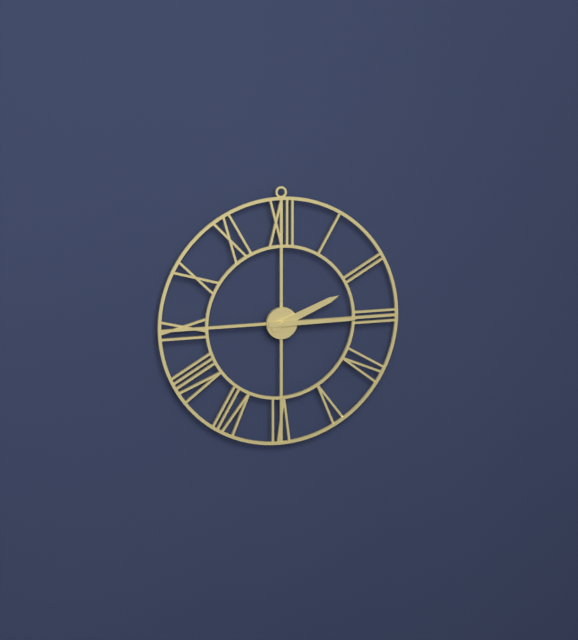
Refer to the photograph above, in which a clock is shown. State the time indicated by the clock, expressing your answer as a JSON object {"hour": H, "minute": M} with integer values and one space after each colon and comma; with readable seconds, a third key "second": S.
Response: {"hour": 2, "minute": 15}
